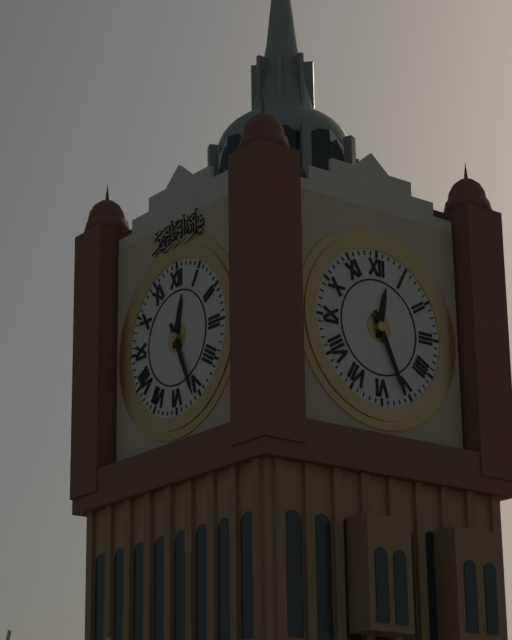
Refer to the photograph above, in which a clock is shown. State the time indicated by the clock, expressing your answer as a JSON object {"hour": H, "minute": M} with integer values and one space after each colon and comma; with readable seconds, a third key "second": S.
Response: {"hour": 12, "minute": 26}
